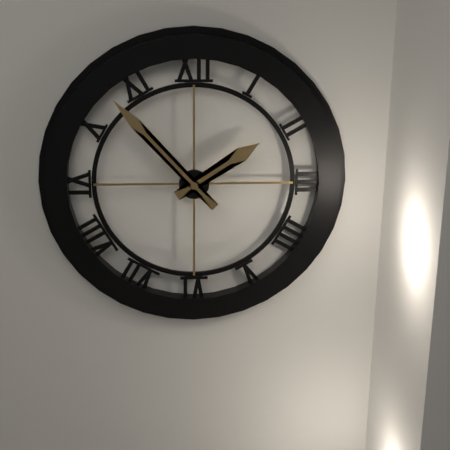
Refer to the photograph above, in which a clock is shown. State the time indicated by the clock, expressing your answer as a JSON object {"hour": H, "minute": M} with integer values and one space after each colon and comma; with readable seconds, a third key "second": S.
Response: {"hour": 1, "minute": 53}
